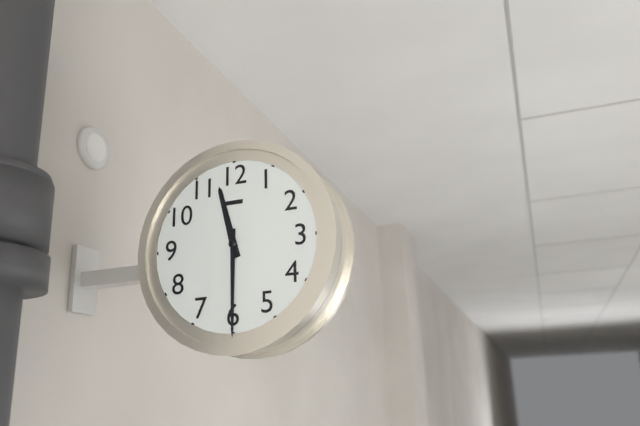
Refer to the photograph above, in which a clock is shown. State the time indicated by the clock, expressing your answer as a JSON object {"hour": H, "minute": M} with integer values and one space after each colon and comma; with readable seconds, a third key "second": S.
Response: {"hour": 11, "minute": 30}
